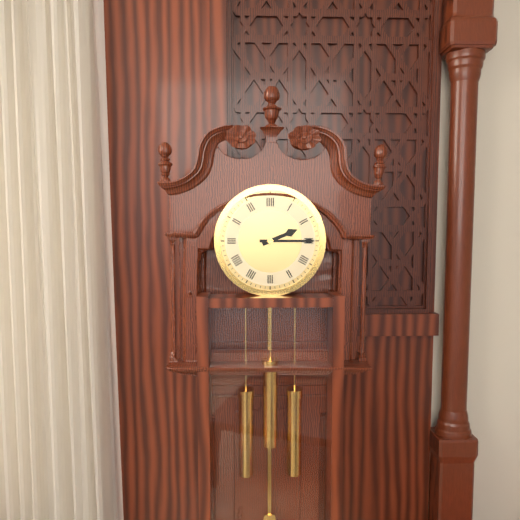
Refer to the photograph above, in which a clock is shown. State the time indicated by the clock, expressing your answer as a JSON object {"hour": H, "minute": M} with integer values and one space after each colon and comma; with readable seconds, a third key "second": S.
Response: {"hour": 2, "minute": 15}
